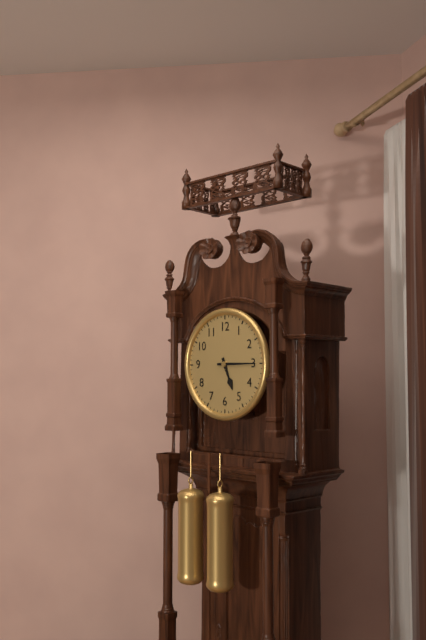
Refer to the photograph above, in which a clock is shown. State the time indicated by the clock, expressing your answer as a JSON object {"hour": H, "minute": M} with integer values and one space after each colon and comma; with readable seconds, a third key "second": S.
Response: {"hour": 5, "minute": 15}
